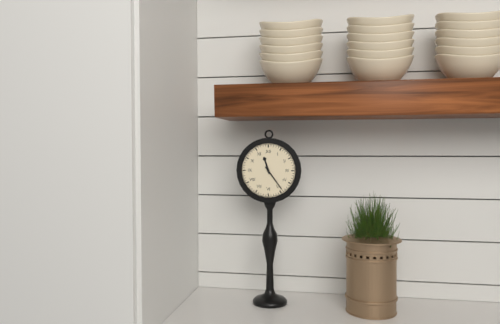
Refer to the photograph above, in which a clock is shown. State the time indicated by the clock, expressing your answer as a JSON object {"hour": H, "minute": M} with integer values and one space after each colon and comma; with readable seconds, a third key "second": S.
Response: {"hour": 11, "minute": 24}
